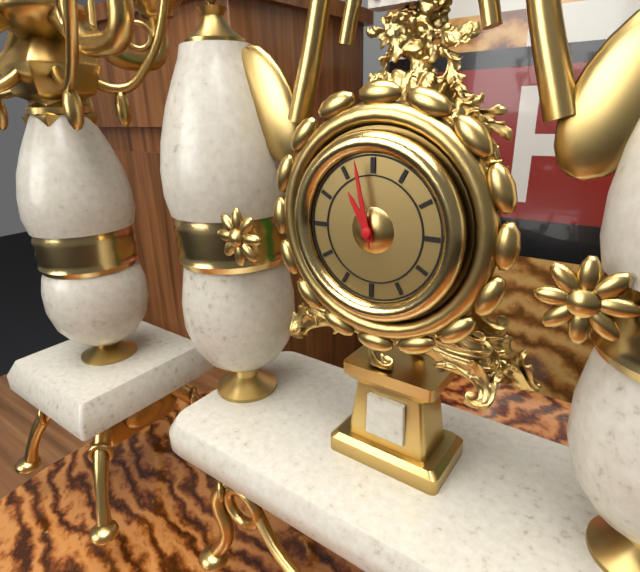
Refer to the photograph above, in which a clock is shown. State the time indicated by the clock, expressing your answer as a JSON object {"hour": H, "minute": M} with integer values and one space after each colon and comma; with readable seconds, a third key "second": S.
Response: {"hour": 10, "minute": 58}
